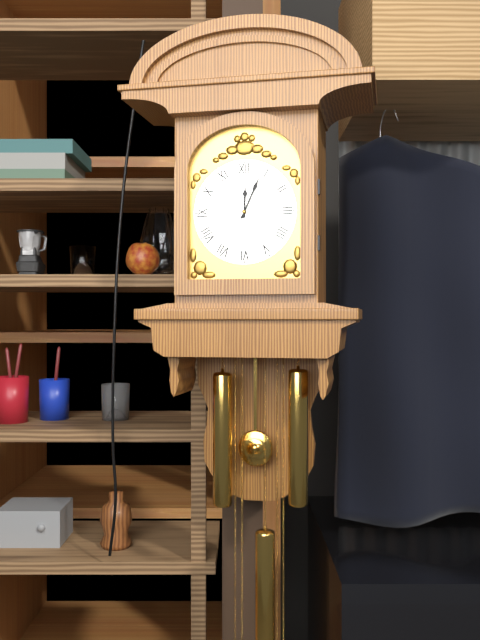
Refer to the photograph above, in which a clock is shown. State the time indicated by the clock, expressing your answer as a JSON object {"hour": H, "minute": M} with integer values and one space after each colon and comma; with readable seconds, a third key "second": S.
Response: {"hour": 12, "minute": 4}
